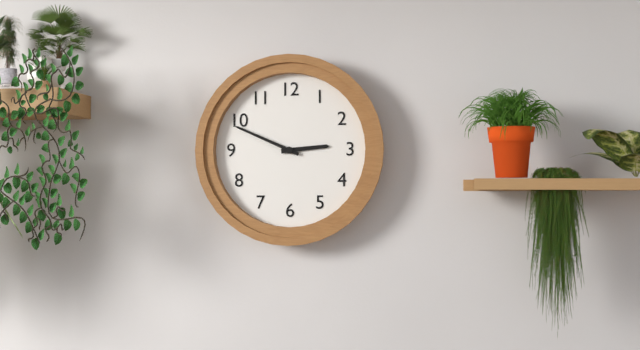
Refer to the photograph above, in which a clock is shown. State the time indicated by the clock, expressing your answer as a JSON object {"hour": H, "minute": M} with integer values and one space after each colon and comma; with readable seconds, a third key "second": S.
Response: {"hour": 2, "minute": 49}
